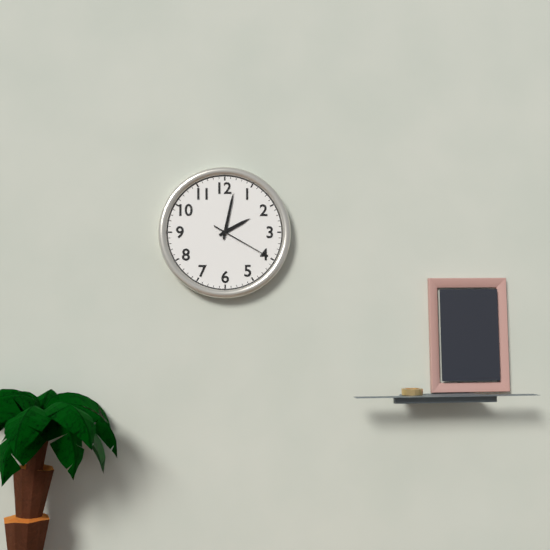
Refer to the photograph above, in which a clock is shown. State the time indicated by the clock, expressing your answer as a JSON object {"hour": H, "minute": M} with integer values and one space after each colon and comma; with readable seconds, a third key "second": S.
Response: {"hour": 2, "minute": 2, "second": 20}
